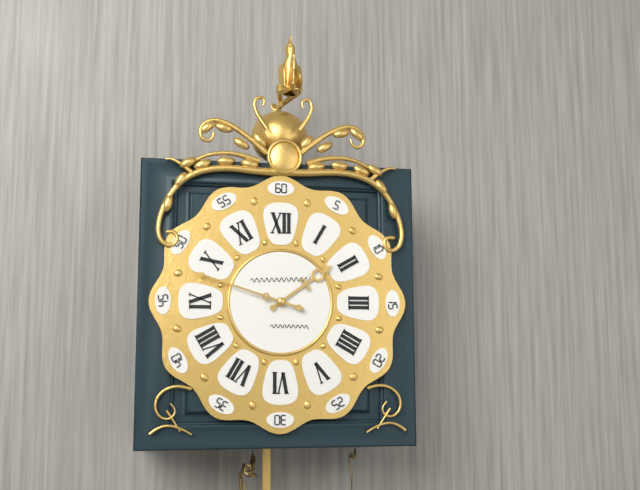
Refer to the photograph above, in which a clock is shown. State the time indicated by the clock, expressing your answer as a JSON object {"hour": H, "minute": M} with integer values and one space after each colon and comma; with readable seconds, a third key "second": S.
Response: {"hour": 1, "minute": 48}
